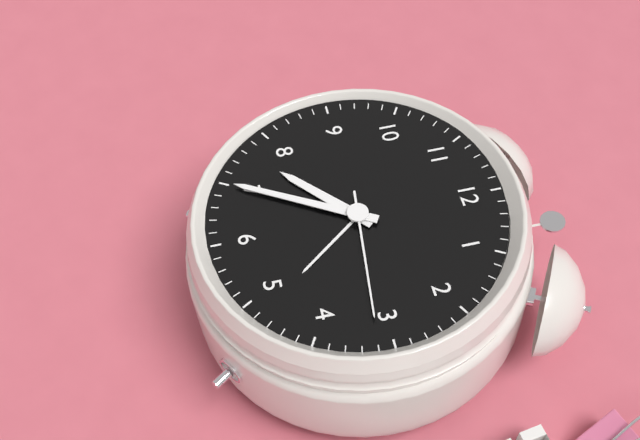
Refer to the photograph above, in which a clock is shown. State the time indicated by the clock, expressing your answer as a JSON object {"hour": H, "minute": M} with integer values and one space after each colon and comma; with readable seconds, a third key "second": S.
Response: {"hour": 7, "minute": 35, "second": 16}
